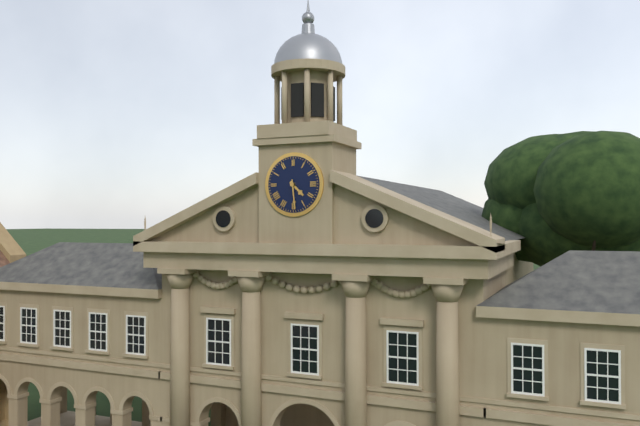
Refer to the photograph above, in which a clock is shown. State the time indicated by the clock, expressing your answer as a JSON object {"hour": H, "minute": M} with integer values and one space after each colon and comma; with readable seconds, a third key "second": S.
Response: {"hour": 4, "minute": 29}
